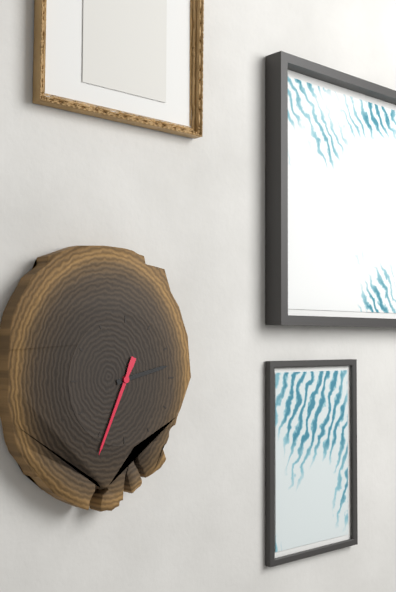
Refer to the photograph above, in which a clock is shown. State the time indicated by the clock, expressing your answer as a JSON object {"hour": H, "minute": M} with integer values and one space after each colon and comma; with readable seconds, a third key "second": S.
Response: {"hour": 2, "minute": 34}
